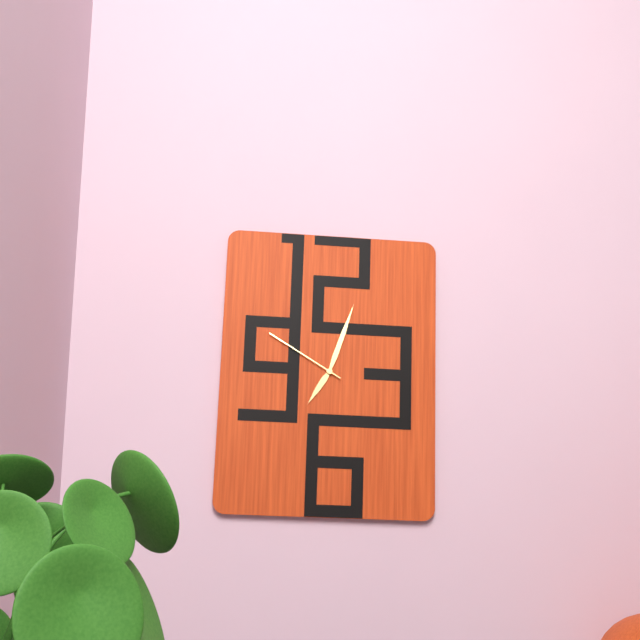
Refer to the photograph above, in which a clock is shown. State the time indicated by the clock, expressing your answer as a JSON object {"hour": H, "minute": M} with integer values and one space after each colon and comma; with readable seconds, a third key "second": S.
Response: {"hour": 7, "minute": 3, "second": 50}
